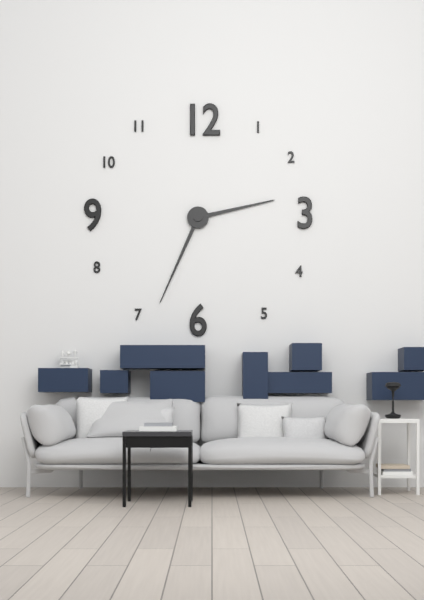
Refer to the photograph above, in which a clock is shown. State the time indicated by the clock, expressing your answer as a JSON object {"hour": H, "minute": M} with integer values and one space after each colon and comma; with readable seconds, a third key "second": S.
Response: {"hour": 2, "minute": 34}
